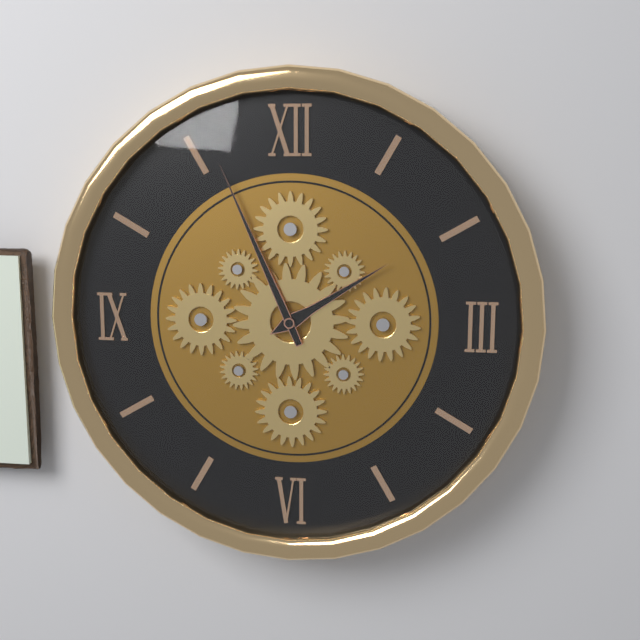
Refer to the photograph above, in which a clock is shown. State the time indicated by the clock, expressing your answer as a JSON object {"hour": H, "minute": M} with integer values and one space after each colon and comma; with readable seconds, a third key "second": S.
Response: {"hour": 1, "minute": 56}
